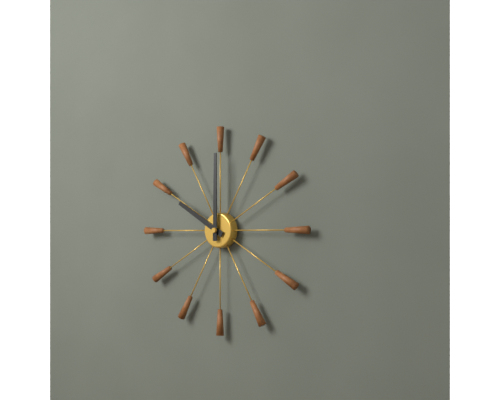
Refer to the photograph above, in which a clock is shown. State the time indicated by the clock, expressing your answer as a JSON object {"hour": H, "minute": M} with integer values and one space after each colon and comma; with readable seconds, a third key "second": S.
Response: {"hour": 10, "minute": 0}
